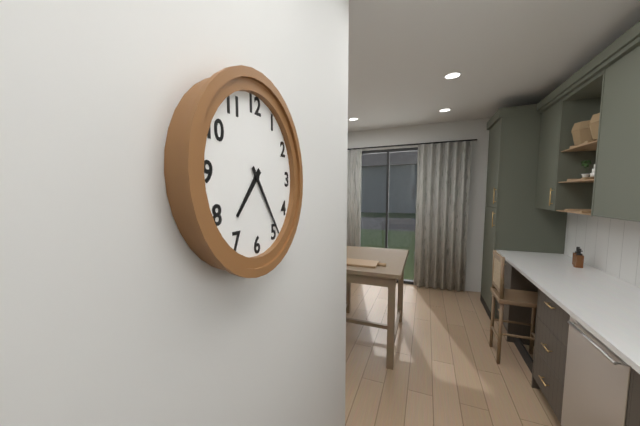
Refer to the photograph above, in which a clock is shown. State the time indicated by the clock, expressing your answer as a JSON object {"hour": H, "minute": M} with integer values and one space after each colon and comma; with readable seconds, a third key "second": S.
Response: {"hour": 7, "minute": 24}
